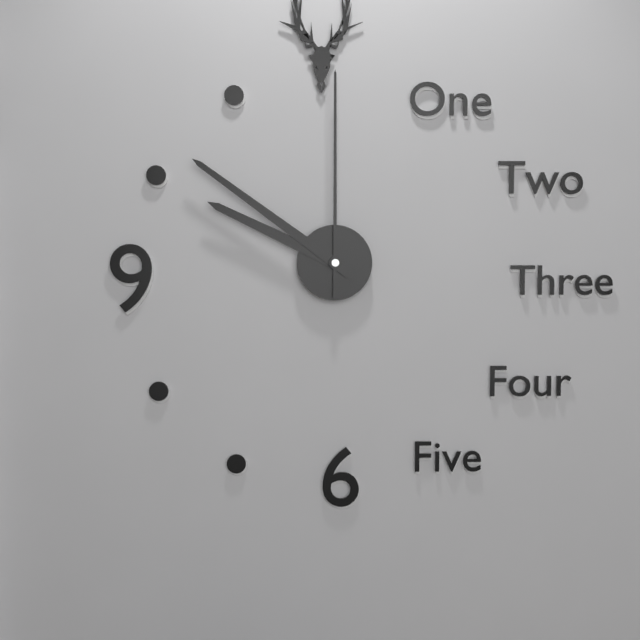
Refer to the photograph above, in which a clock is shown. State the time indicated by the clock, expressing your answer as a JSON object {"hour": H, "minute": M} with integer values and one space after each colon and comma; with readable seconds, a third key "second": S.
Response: {"hour": 9, "minute": 51, "second": 0}
